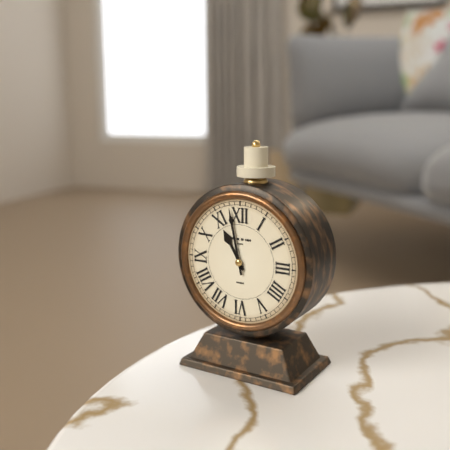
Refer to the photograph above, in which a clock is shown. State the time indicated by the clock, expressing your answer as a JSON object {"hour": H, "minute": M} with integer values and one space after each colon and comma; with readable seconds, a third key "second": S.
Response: {"hour": 10, "minute": 58}
